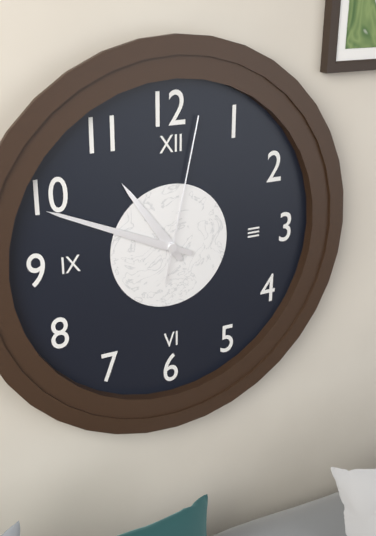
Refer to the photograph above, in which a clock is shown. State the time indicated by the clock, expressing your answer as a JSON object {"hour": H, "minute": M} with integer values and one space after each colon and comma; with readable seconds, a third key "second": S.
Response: {"hour": 10, "minute": 49, "second": 2}
